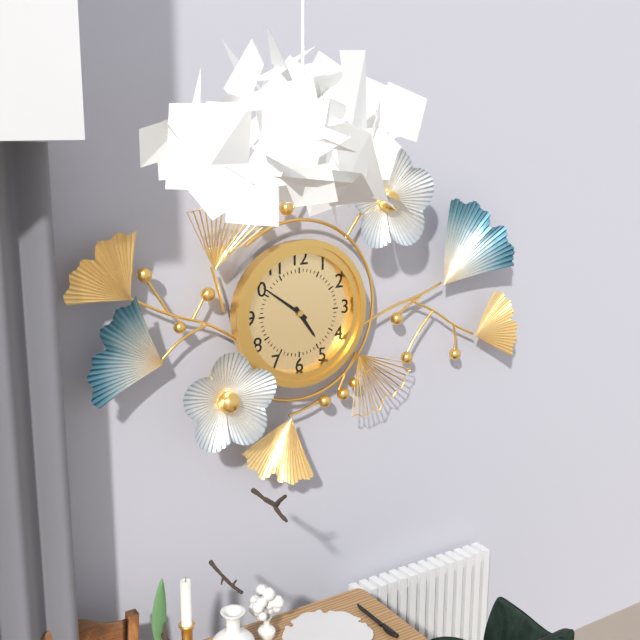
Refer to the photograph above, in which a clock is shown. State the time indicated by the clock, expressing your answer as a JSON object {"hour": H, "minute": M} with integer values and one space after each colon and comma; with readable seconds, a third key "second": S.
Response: {"hour": 4, "minute": 51}
